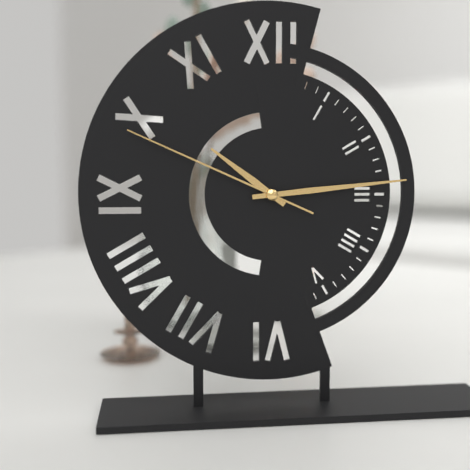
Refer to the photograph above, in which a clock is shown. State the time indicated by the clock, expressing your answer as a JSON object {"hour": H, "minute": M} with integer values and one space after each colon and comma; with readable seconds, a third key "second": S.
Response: {"hour": 10, "minute": 14, "second": 49}
